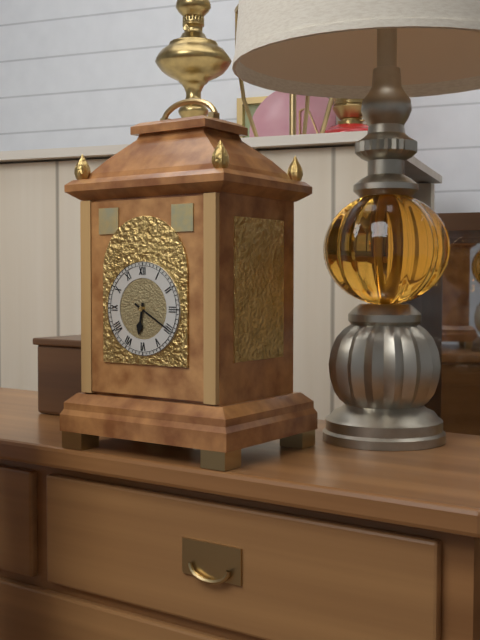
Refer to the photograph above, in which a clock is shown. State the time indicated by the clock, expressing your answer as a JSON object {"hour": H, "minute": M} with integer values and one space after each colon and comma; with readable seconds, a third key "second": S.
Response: {"hour": 6, "minute": 20}
